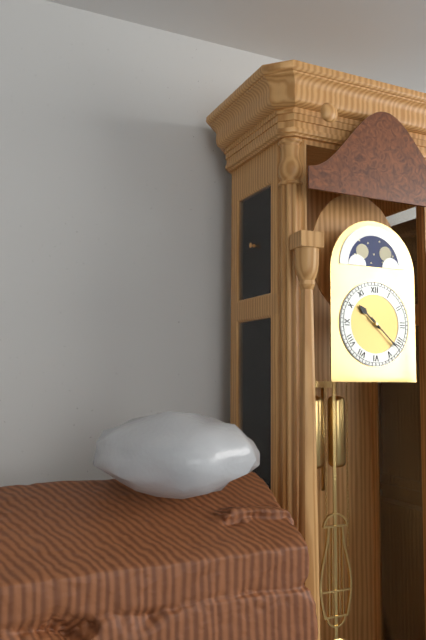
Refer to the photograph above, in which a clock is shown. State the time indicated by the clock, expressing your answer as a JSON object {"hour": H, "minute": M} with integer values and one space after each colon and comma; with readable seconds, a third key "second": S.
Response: {"hour": 10, "minute": 22}
